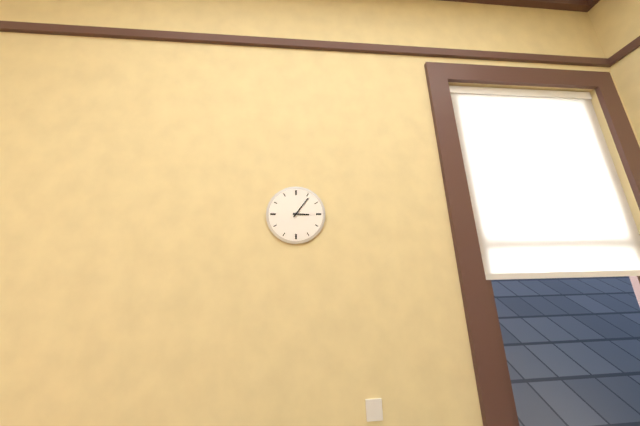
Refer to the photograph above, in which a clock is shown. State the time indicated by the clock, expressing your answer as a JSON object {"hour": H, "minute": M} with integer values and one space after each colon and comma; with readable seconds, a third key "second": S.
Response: {"hour": 3, "minute": 6}
